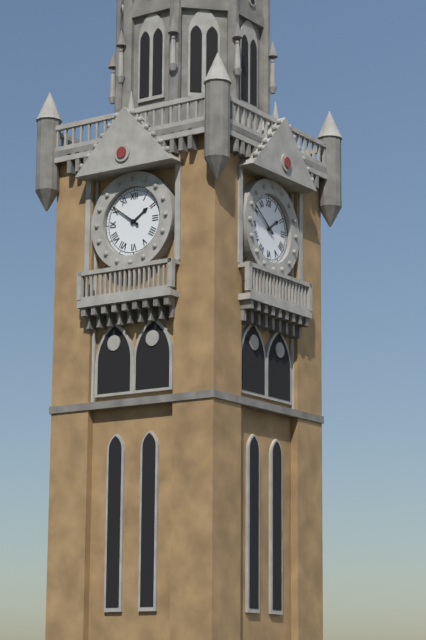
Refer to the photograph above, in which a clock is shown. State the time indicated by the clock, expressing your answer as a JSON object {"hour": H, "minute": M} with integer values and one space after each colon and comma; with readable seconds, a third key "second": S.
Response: {"hour": 1, "minute": 51}
